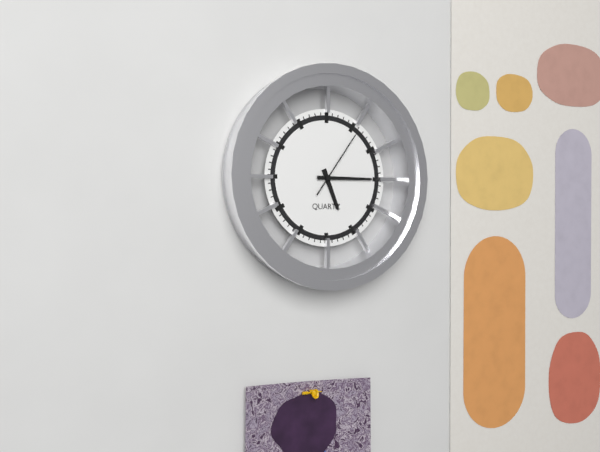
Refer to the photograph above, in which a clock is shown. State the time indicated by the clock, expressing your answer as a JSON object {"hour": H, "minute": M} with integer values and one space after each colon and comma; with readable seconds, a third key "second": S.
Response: {"hour": 5, "minute": 15, "second": 6}
